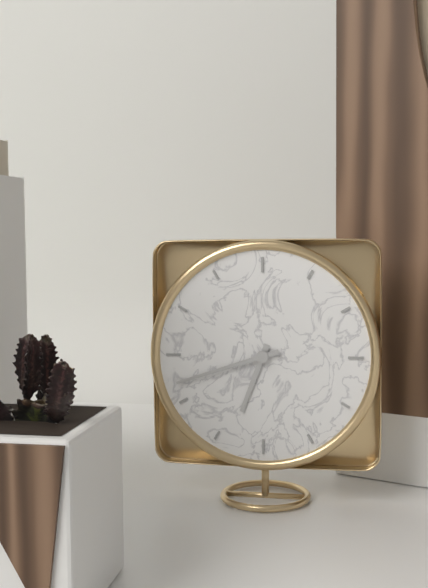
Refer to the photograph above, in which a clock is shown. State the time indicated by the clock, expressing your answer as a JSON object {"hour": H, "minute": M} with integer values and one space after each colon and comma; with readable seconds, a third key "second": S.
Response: {"hour": 6, "minute": 42}
